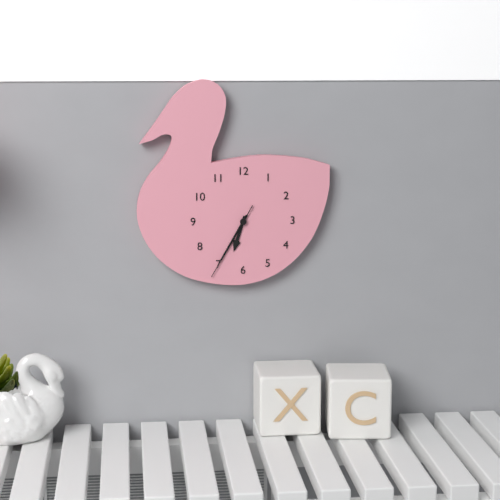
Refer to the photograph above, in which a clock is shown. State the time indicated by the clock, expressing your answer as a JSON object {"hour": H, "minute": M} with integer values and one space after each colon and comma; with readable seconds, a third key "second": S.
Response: {"hour": 6, "minute": 35, "second": 35}
